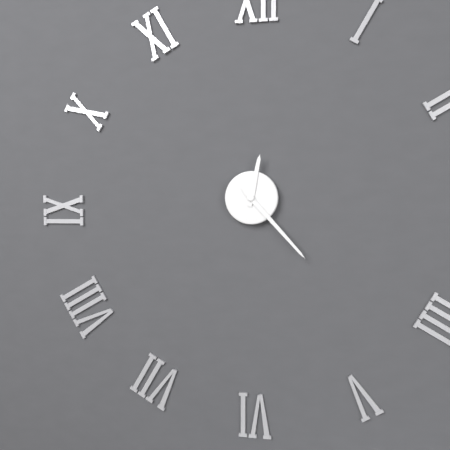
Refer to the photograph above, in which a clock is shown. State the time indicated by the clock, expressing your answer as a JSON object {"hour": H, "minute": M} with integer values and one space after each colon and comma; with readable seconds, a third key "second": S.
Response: {"hour": 12, "minute": 23}
